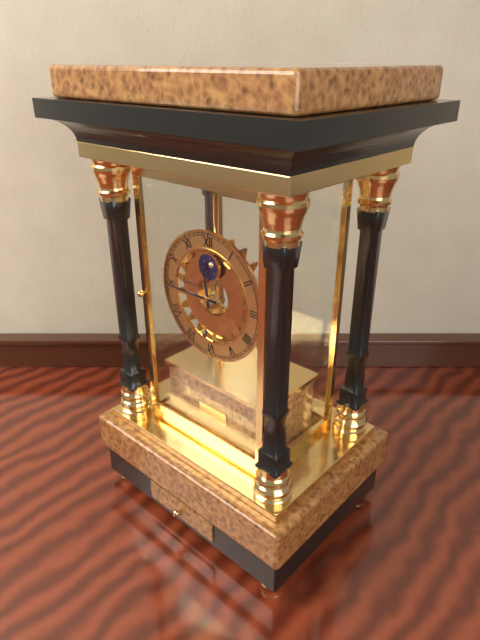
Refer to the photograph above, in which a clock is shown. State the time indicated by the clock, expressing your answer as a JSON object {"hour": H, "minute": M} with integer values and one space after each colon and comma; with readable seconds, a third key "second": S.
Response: {"hour": 11, "minute": 45}
